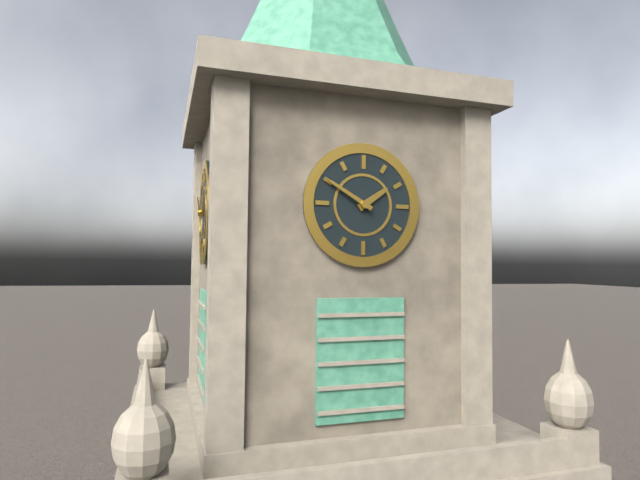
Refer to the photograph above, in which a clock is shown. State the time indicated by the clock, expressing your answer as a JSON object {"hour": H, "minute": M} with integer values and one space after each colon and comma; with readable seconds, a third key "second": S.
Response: {"hour": 1, "minute": 50}
